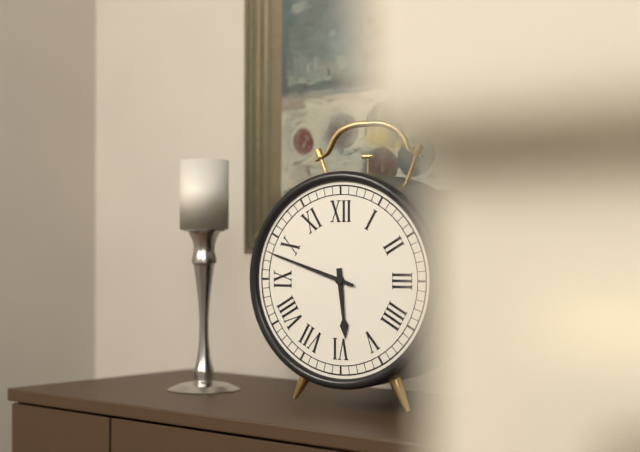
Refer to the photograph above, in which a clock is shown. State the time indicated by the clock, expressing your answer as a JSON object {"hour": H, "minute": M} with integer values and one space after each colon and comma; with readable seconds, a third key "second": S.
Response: {"hour": 5, "minute": 48}
